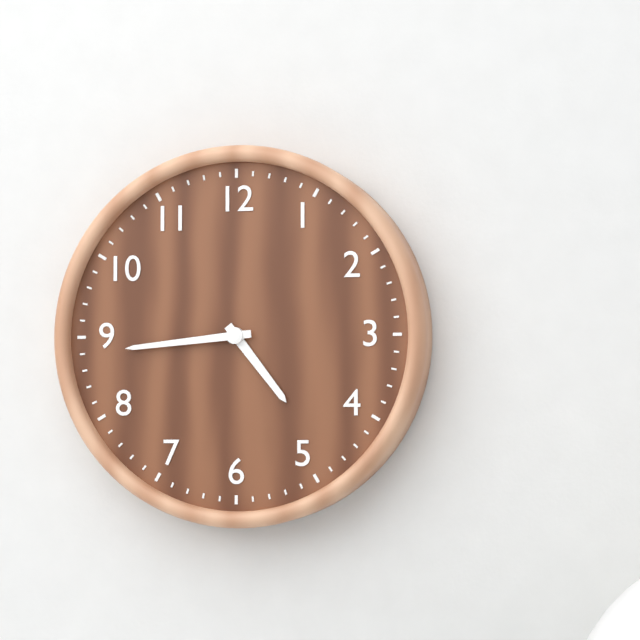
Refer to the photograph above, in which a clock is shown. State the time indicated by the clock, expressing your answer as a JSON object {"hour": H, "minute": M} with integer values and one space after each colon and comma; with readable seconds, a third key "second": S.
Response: {"hour": 4, "minute": 44}
